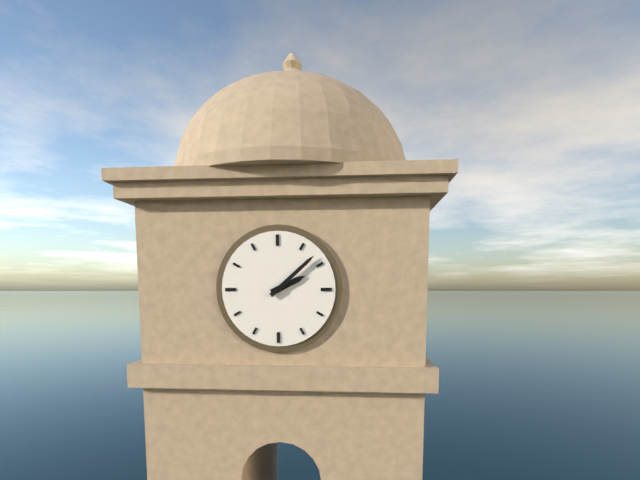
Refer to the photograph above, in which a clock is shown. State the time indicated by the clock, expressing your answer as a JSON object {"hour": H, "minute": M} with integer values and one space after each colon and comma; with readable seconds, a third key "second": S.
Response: {"hour": 2, "minute": 8}
